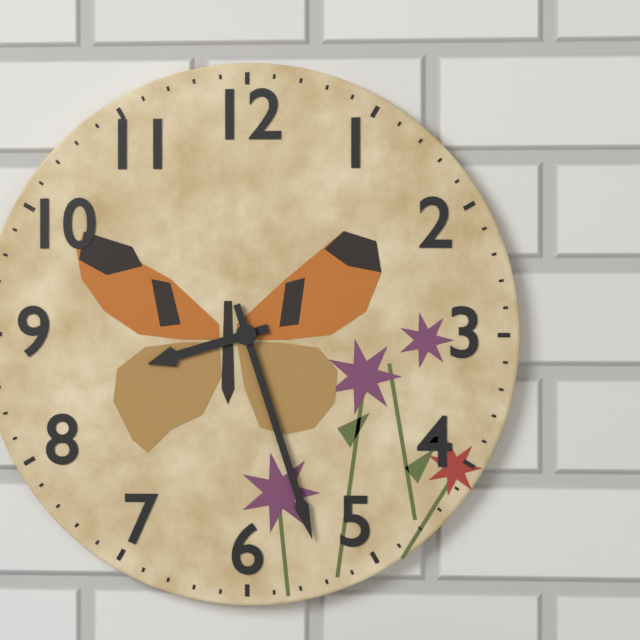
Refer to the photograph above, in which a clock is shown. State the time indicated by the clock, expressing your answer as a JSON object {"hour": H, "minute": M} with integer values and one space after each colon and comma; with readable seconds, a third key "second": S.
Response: {"hour": 8, "minute": 27}
